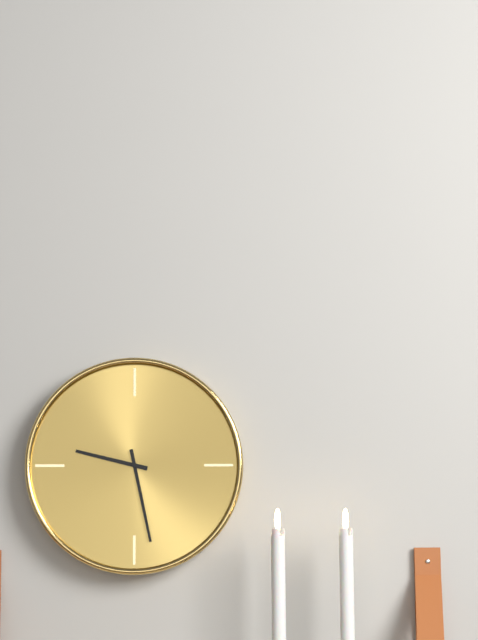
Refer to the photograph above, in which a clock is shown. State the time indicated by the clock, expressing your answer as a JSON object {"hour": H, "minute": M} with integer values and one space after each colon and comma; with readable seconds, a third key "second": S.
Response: {"hour": 9, "minute": 28}
